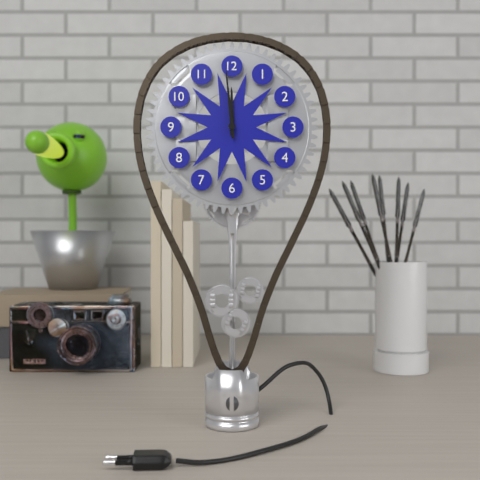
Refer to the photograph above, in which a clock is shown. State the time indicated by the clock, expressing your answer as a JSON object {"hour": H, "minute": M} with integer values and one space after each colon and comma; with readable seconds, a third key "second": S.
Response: {"hour": 11, "minute": 59}
